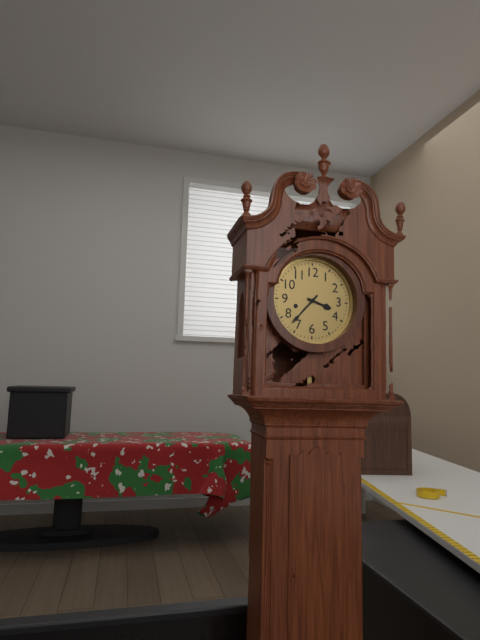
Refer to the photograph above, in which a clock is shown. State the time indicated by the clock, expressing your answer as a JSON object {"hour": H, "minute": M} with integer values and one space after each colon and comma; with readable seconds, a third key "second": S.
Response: {"hour": 3, "minute": 37}
